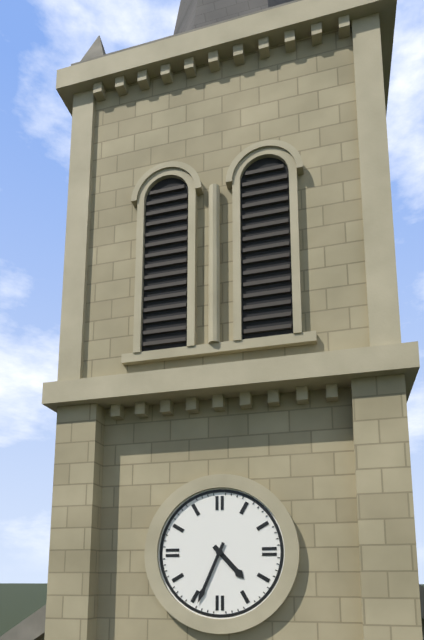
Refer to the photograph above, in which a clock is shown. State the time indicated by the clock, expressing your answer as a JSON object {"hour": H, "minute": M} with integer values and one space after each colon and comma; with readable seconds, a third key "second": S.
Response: {"hour": 4, "minute": 34}
